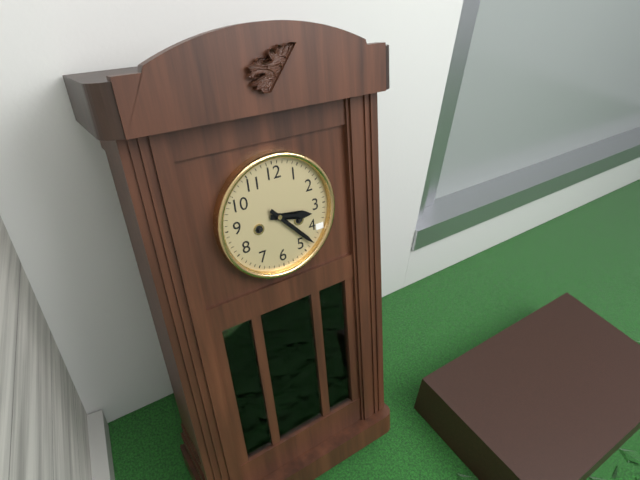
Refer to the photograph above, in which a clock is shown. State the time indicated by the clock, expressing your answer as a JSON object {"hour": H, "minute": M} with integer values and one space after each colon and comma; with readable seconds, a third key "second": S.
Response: {"hour": 3, "minute": 23}
